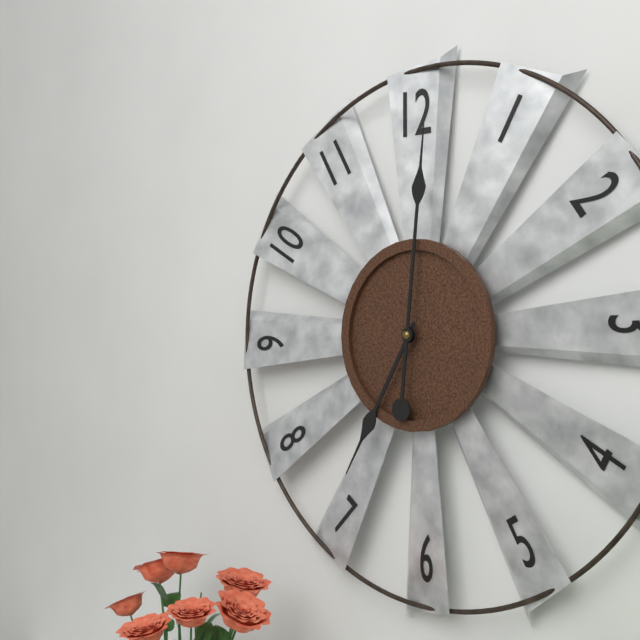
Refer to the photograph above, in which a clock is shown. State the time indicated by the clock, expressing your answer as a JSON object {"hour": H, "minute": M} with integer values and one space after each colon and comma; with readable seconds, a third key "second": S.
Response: {"hour": 7, "minute": 1}
